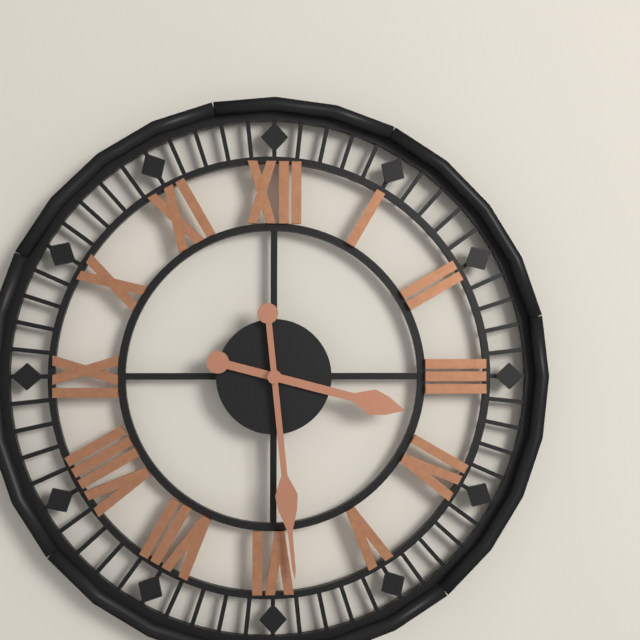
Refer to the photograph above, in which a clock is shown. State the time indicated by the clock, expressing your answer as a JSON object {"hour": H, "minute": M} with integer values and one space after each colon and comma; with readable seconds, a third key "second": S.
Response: {"hour": 3, "minute": 29}
